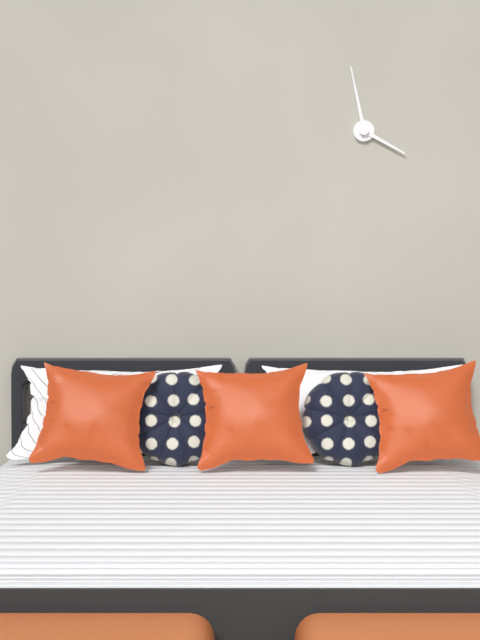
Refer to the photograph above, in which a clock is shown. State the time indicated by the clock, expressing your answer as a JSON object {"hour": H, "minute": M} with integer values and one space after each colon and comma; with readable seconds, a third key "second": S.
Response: {"hour": 3, "minute": 58}
